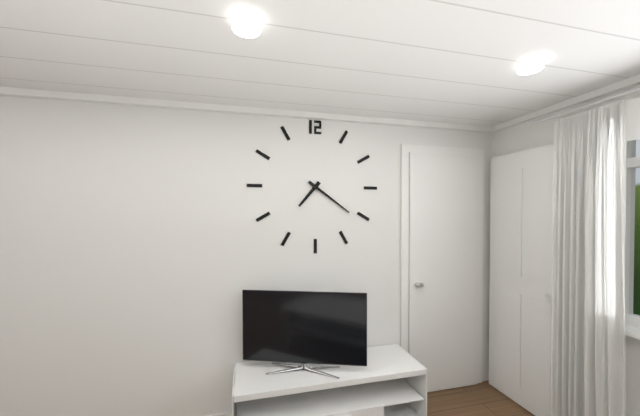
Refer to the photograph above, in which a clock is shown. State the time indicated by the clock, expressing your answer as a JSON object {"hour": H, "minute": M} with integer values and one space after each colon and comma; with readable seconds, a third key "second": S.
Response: {"hour": 7, "minute": 21}
